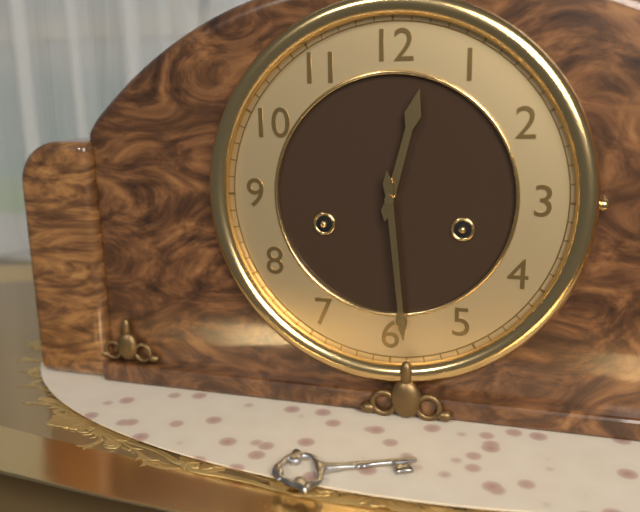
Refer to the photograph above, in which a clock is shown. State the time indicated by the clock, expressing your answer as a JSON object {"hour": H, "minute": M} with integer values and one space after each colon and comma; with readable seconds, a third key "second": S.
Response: {"hour": 12, "minute": 29}
